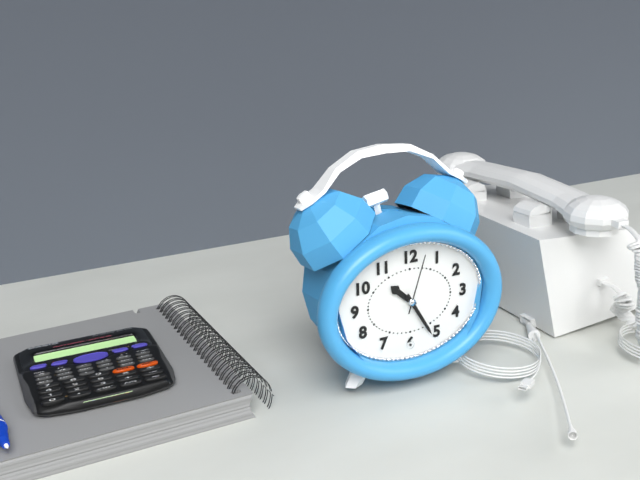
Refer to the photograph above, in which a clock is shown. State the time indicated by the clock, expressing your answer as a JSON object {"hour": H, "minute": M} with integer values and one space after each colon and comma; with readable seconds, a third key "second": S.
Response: {"hour": 10, "minute": 25, "second": 3}
